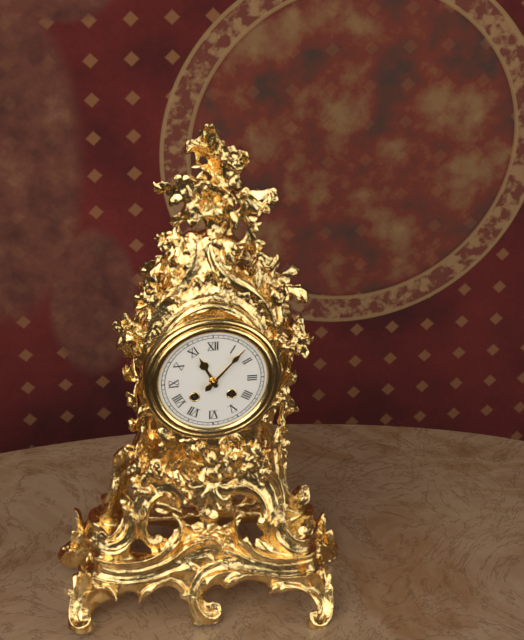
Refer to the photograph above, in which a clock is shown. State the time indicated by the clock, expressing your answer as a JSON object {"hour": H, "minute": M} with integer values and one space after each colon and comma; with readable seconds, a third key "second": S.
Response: {"hour": 11, "minute": 7}
